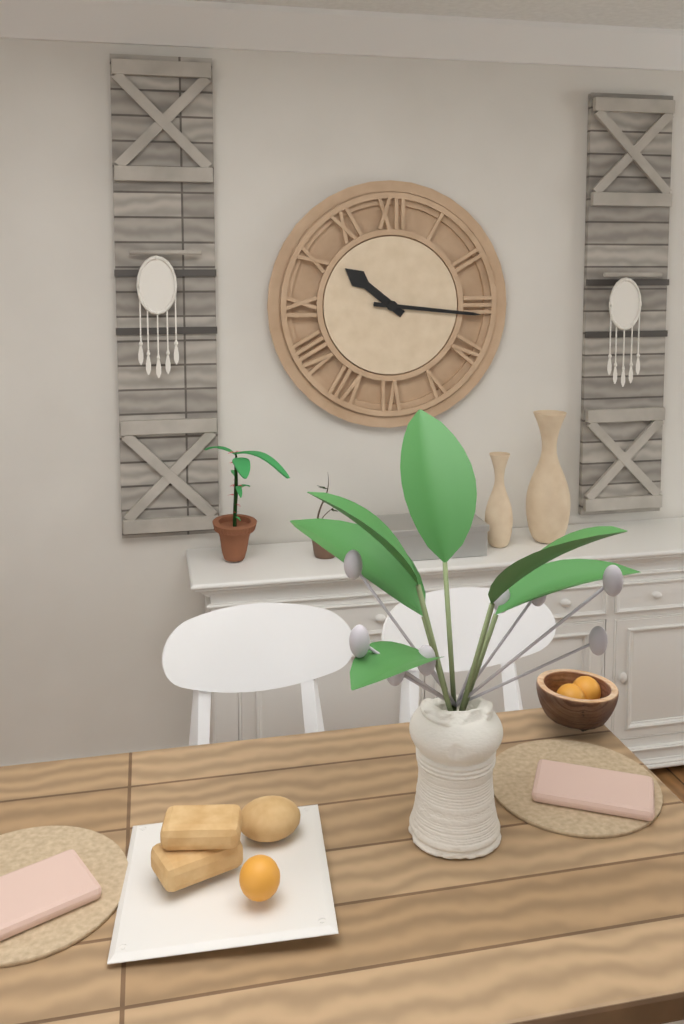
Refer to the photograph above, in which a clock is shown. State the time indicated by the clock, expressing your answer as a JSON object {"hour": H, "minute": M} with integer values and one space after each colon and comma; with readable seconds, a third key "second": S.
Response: {"hour": 10, "minute": 16}
